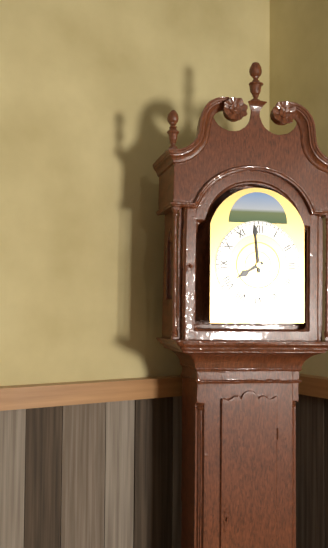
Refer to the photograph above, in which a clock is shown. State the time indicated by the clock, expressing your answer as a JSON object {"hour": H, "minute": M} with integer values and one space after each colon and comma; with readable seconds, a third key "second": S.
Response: {"hour": 7, "minute": 59}
